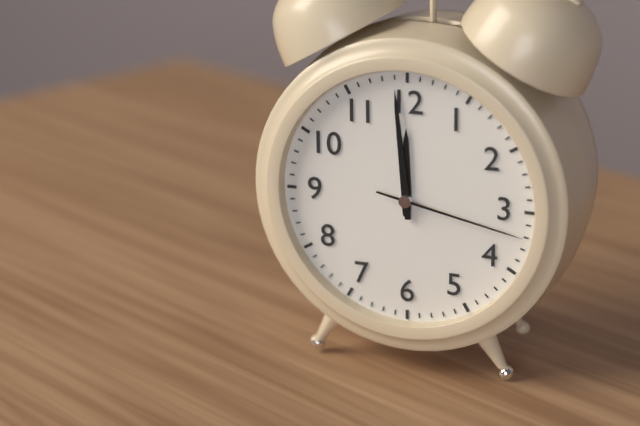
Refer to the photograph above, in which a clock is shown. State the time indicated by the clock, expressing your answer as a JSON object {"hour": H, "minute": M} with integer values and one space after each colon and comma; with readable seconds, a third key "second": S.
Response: {"hour": 11, "minute": 59, "second": 17}
